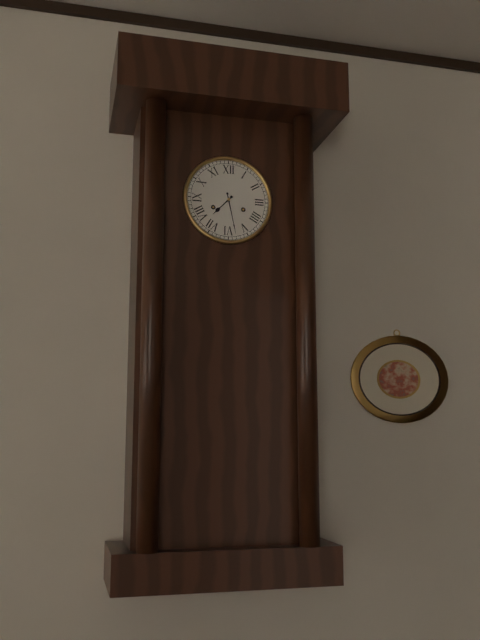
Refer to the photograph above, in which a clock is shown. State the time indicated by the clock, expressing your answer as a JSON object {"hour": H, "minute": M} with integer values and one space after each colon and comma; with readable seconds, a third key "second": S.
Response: {"hour": 7, "minute": 28}
